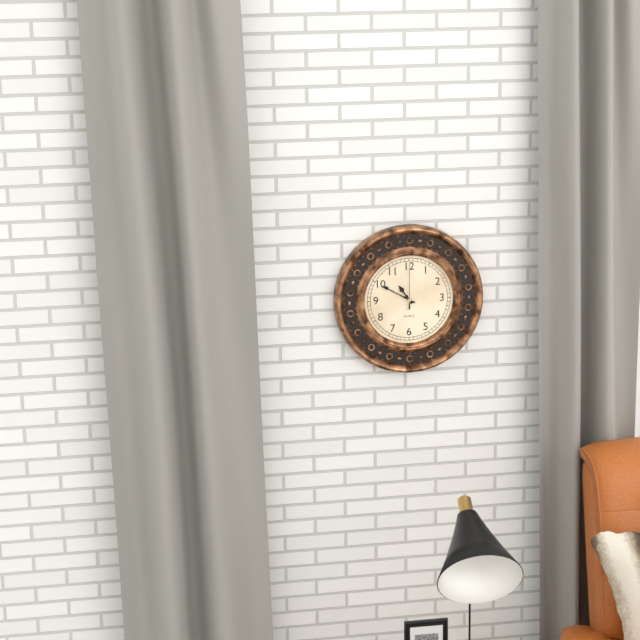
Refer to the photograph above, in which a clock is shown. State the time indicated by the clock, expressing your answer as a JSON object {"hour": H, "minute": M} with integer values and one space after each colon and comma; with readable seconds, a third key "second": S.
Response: {"hour": 10, "minute": 50}
